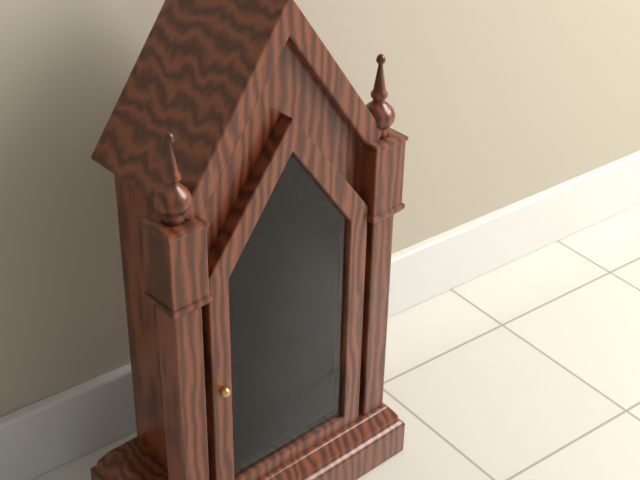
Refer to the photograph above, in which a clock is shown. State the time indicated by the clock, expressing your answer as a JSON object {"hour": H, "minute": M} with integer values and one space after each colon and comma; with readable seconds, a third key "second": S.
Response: {"hour": 4, "minute": 6}
